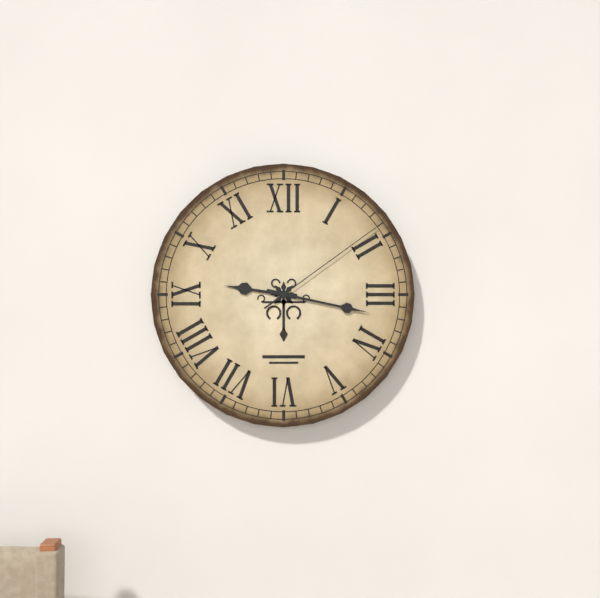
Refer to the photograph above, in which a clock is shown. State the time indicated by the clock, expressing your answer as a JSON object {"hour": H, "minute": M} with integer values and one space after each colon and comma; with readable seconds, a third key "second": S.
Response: {"hour": 9, "minute": 17, "second": 9}
